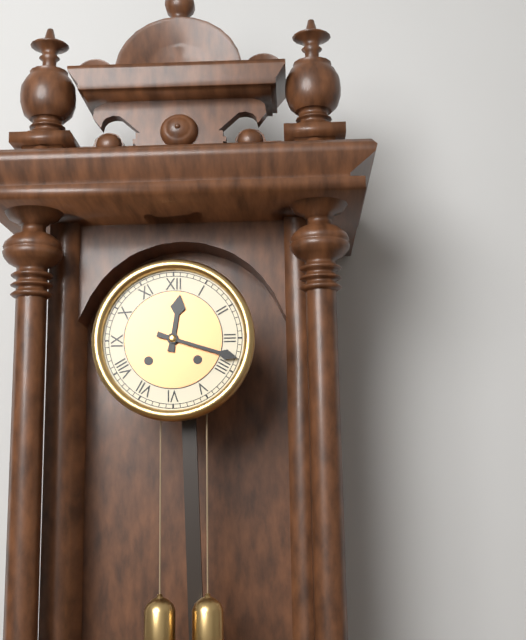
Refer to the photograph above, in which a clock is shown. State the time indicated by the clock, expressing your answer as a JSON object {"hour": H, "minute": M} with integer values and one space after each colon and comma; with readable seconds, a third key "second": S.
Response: {"hour": 12, "minute": 18}
